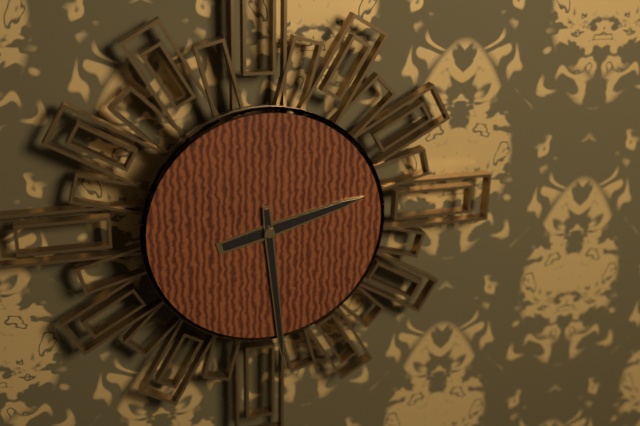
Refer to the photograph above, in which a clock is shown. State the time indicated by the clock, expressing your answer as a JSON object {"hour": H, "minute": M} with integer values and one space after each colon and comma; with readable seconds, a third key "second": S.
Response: {"hour": 2, "minute": 29}
